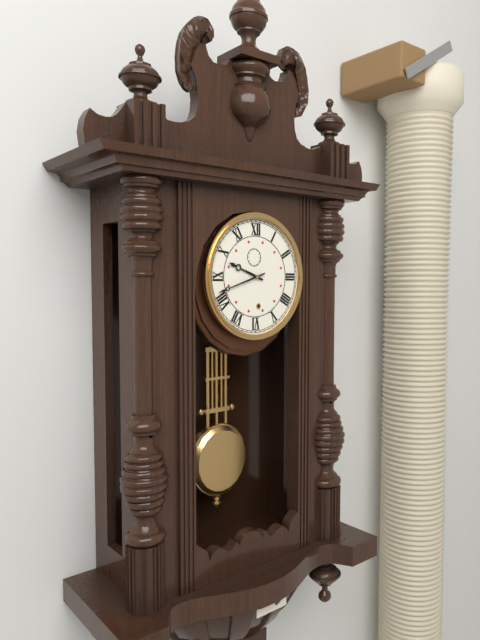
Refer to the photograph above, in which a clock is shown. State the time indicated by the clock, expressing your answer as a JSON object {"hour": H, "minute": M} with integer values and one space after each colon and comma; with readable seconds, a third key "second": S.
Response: {"hour": 9, "minute": 42}
